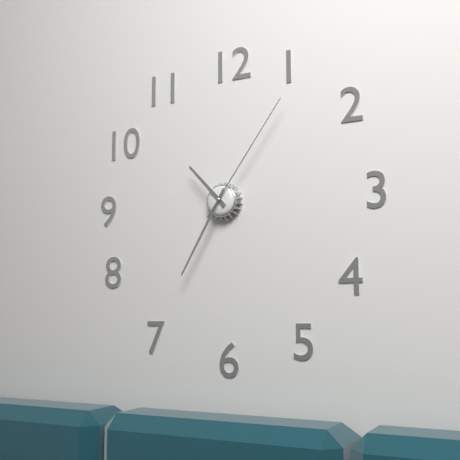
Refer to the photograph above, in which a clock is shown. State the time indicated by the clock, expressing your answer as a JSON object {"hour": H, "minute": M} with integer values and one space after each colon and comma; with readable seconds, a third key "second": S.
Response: {"hour": 10, "minute": 35, "second": 6}
